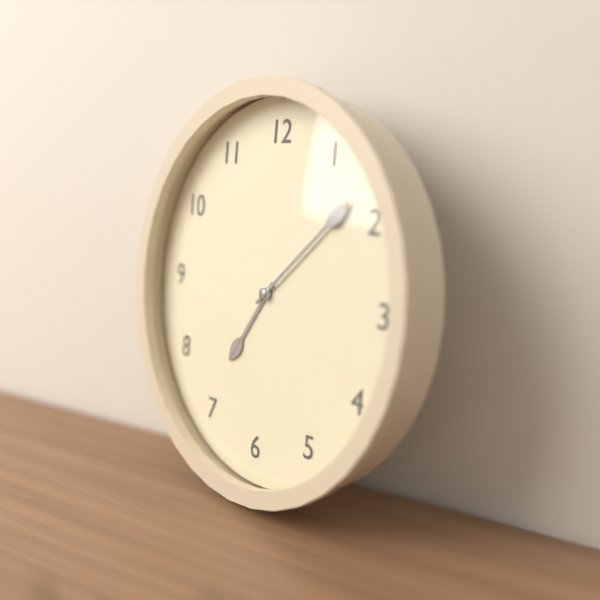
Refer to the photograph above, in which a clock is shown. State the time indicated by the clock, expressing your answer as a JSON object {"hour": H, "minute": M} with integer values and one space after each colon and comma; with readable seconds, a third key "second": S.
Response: {"hour": 7, "minute": 8}
